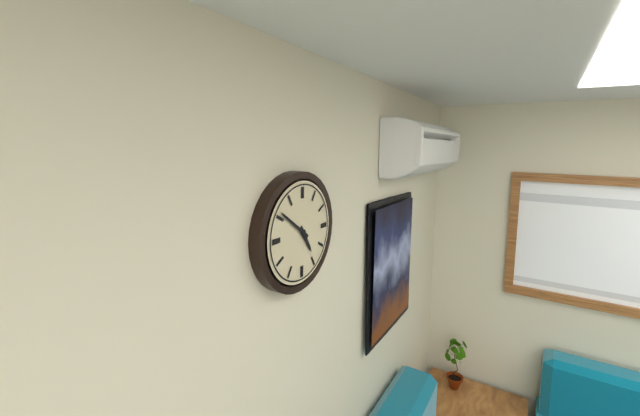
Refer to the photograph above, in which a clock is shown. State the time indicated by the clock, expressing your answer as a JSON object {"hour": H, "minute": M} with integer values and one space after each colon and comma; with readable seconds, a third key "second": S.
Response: {"hour": 4, "minute": 51}
